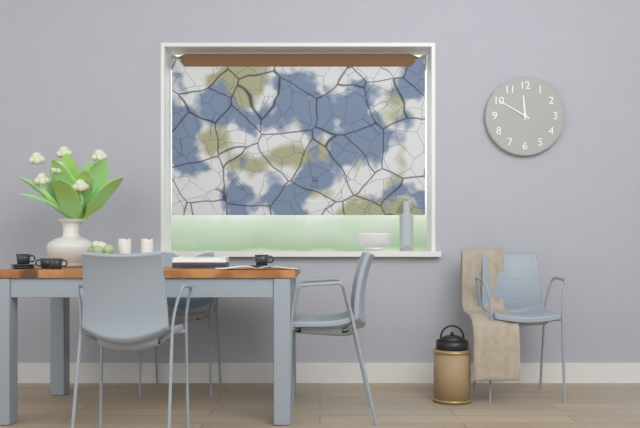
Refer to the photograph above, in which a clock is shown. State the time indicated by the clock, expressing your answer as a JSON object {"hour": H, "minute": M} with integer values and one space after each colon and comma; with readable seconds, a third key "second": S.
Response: {"hour": 11, "minute": 50}
